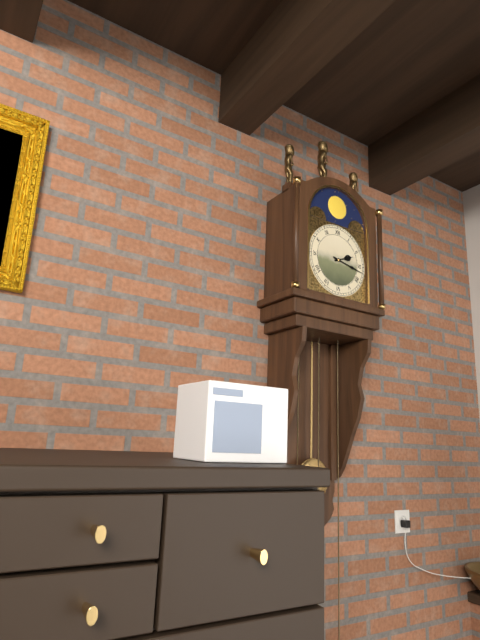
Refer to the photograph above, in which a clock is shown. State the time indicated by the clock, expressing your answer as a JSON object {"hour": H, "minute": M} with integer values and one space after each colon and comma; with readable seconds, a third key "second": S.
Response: {"hour": 2, "minute": 17}
